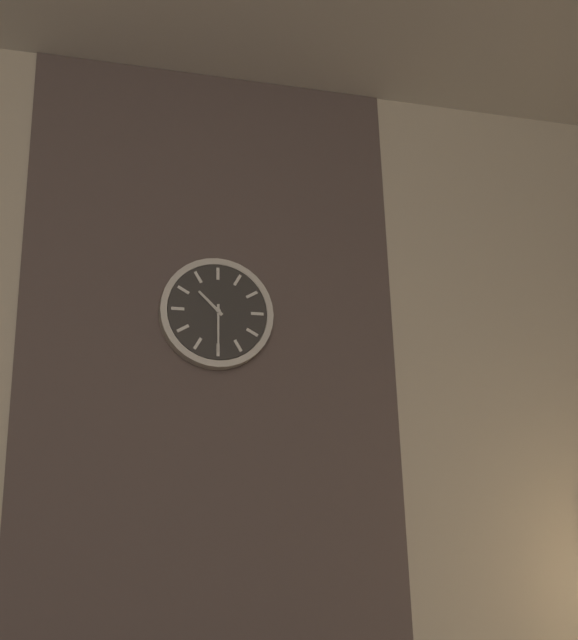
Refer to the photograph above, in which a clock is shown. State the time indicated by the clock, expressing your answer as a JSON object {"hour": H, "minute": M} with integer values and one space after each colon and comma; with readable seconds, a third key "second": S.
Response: {"hour": 10, "minute": 30}
